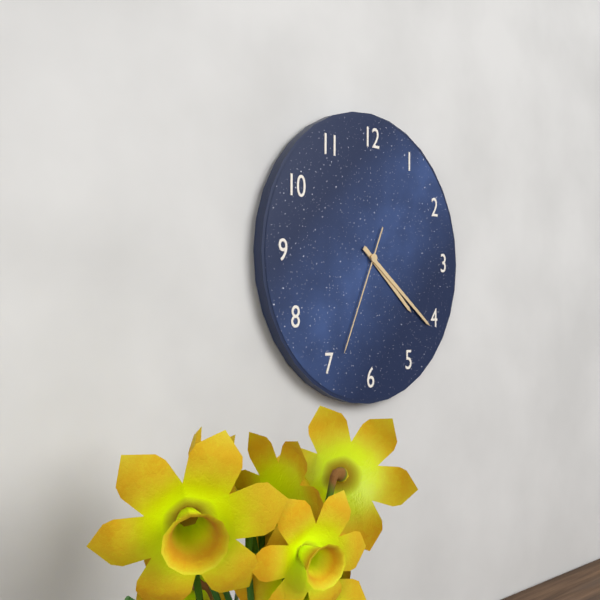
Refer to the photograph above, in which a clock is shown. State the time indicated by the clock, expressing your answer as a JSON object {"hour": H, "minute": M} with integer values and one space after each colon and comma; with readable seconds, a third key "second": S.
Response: {"hour": 4, "minute": 21, "second": 34}
